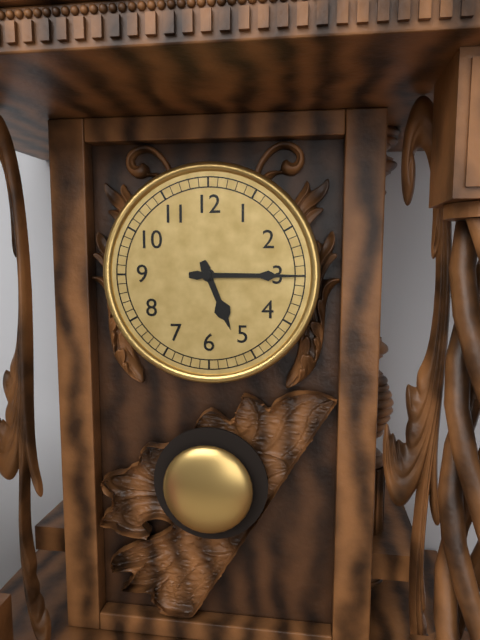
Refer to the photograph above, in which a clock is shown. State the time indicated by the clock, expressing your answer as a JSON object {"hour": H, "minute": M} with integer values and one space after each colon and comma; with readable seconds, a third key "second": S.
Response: {"hour": 5, "minute": 15}
